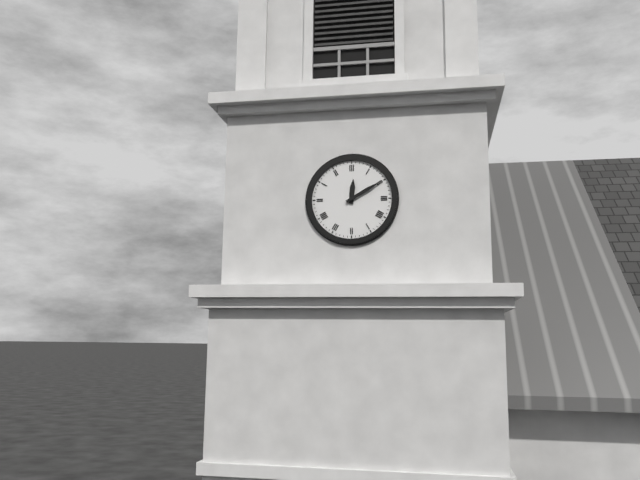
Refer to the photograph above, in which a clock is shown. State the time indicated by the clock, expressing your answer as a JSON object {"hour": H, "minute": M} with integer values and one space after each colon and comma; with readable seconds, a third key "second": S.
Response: {"hour": 12, "minute": 10}
